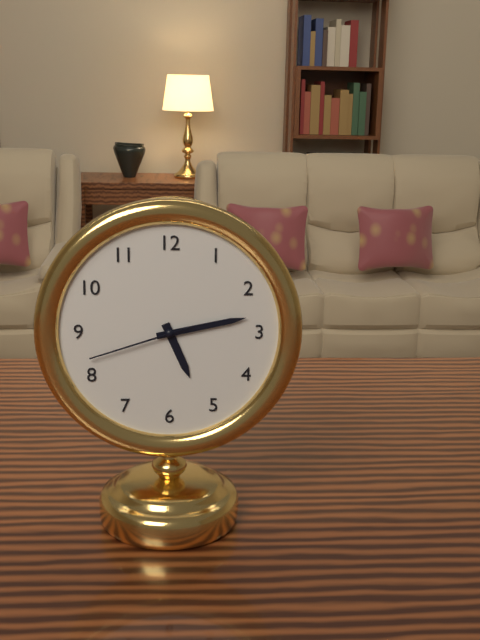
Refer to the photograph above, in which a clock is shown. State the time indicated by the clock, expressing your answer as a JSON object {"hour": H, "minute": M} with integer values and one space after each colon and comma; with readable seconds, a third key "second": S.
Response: {"hour": 5, "minute": 13, "second": 42}
